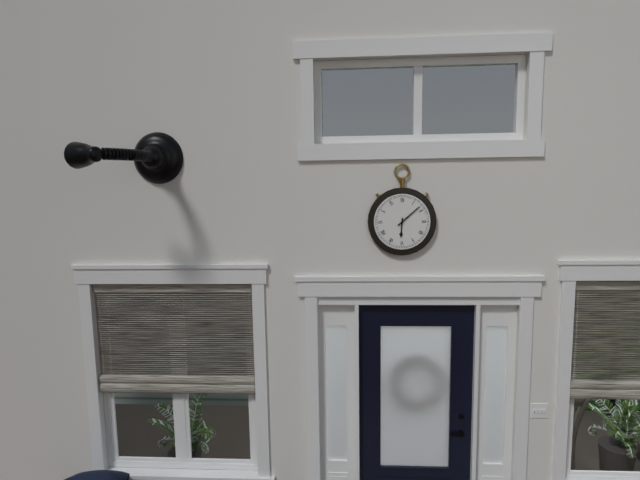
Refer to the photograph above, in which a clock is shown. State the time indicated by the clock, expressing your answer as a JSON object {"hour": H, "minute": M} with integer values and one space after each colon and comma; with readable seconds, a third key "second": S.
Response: {"hour": 6, "minute": 8}
